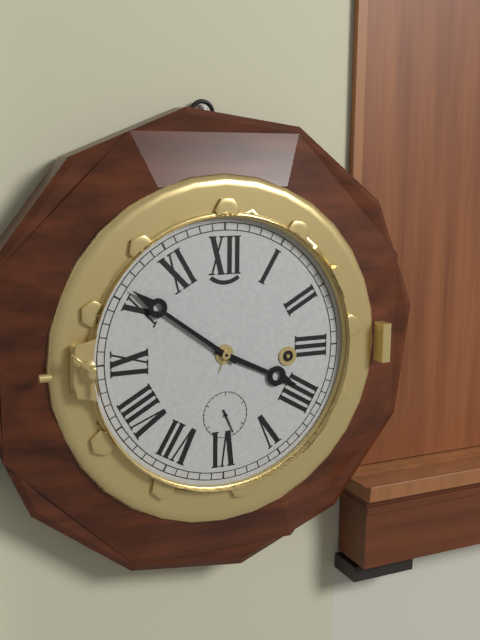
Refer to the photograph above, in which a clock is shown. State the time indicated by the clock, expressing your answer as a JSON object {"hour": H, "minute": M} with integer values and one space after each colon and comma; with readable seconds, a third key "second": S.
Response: {"hour": 3, "minute": 51, "second": 26}
